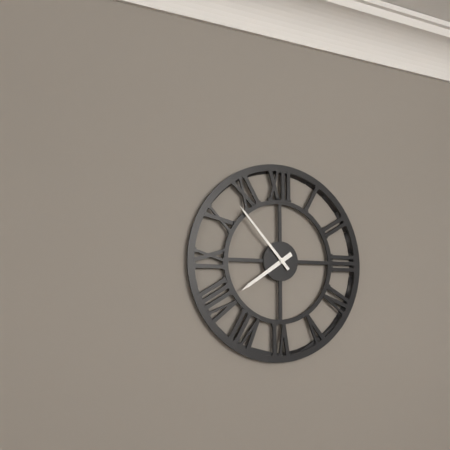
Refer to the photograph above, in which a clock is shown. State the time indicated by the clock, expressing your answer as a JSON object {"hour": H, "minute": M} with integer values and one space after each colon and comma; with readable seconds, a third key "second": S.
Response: {"hour": 7, "minute": 53}
